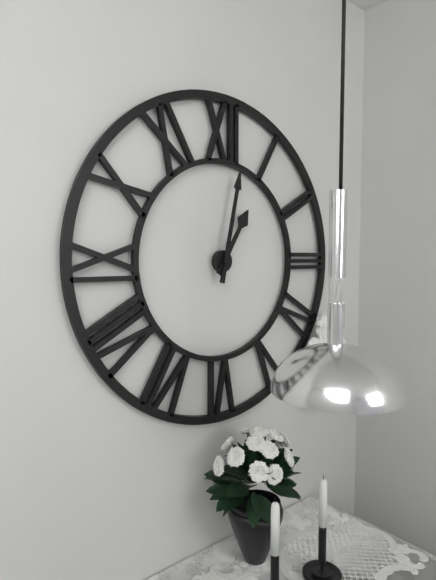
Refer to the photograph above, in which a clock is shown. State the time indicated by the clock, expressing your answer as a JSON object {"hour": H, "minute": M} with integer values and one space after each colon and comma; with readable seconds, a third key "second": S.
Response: {"hour": 1, "minute": 2}
